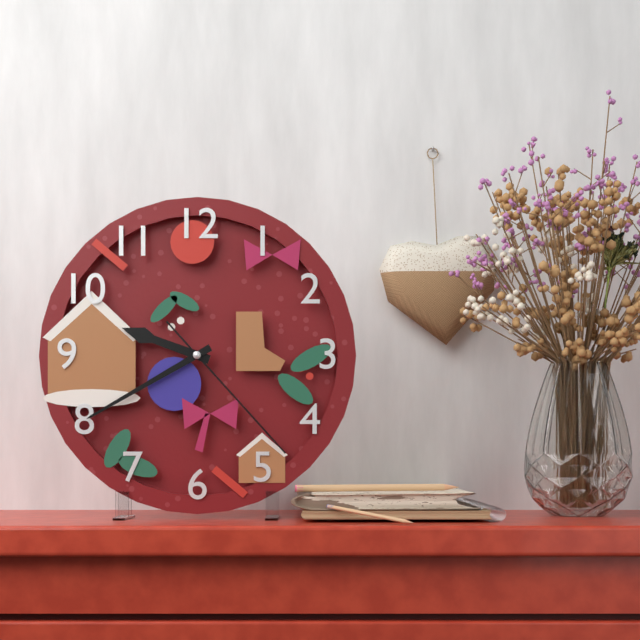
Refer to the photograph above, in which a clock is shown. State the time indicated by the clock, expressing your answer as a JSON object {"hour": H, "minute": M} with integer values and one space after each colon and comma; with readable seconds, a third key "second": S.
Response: {"hour": 9, "minute": 40, "second": 23}
